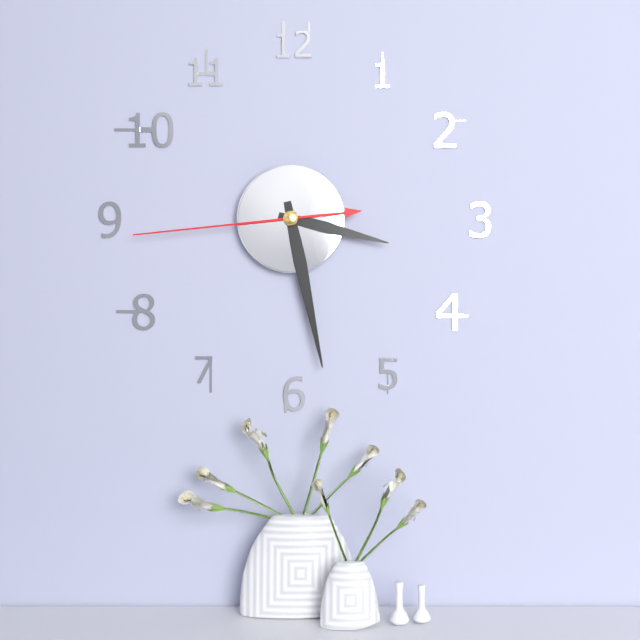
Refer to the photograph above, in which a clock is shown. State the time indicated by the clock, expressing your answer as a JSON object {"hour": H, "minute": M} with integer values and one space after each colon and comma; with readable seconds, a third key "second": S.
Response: {"hour": 3, "minute": 28, "second": 44}
